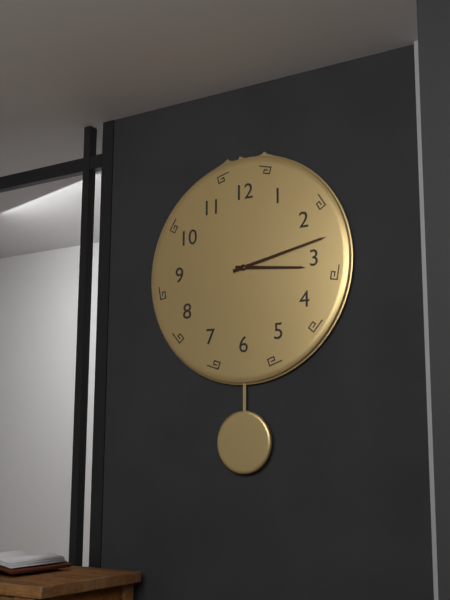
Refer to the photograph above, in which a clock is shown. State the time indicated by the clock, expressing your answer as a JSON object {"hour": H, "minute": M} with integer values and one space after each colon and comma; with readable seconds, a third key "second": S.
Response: {"hour": 3, "minute": 13}
